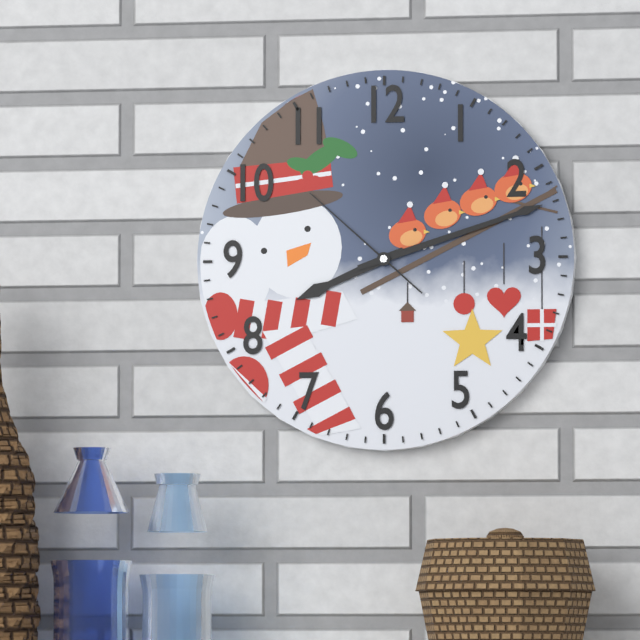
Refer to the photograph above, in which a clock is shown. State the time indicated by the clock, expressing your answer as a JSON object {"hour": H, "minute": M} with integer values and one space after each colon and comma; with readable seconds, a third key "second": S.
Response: {"hour": 8, "minute": 12, "second": 52}
